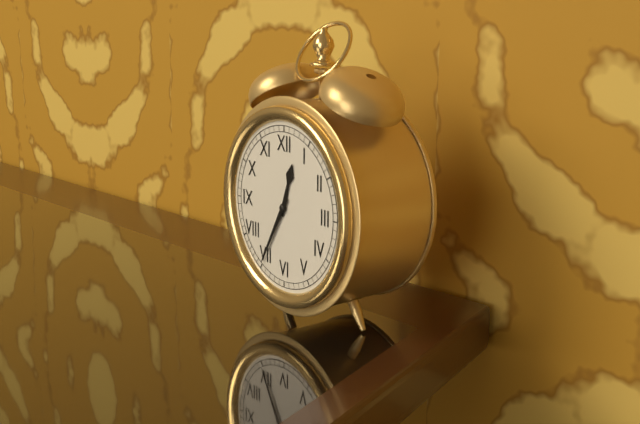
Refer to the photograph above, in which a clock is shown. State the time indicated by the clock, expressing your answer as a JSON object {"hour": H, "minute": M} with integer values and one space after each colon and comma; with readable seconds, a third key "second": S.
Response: {"hour": 12, "minute": 35}
